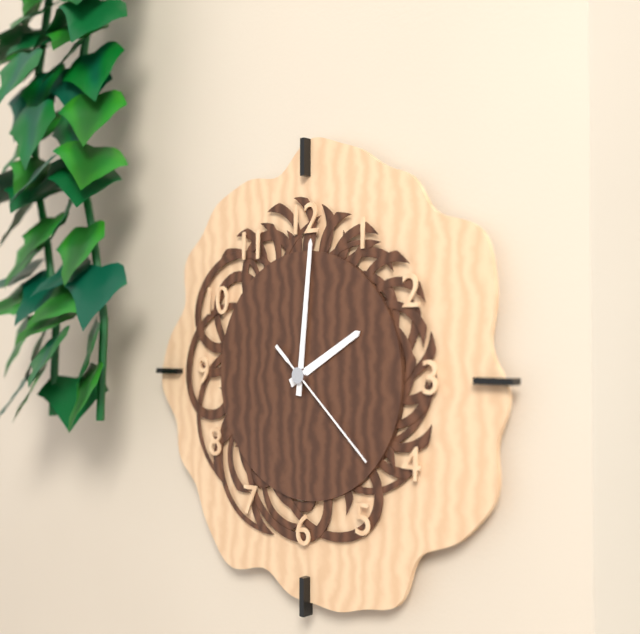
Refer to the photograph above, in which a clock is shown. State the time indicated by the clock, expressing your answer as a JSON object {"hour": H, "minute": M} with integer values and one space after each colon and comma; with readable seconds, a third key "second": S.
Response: {"hour": 2, "minute": 1, "second": 22}
